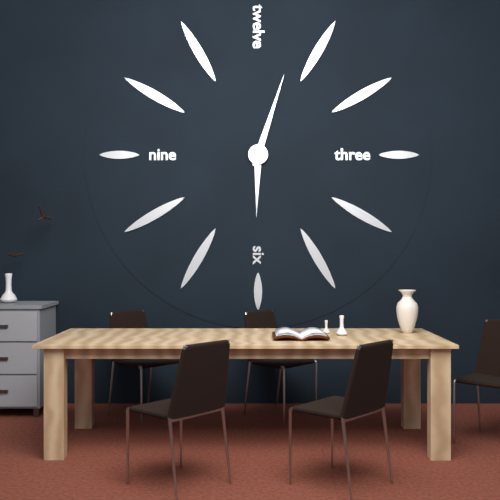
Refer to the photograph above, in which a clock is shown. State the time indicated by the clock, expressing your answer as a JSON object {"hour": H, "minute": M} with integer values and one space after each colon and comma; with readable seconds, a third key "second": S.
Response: {"hour": 6, "minute": 3}
